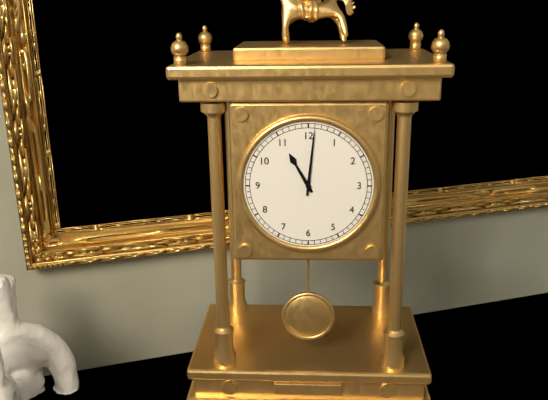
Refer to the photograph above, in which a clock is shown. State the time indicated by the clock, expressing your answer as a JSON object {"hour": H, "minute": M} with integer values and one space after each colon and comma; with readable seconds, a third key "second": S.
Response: {"hour": 11, "minute": 1}
